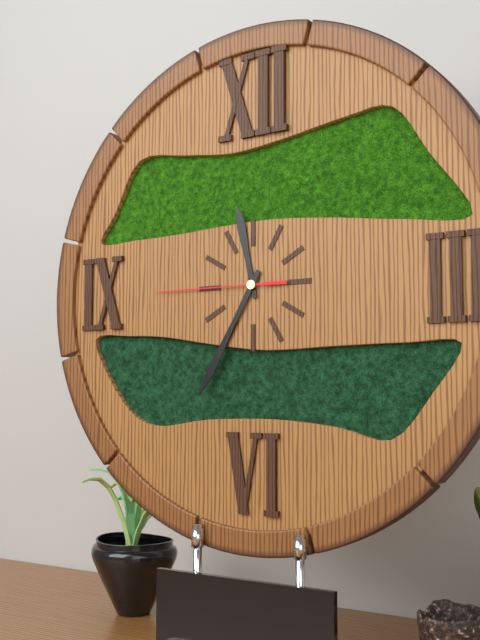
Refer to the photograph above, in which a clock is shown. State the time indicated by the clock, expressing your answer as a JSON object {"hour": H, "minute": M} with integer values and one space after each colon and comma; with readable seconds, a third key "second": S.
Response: {"hour": 11, "minute": 35, "second": 45}
